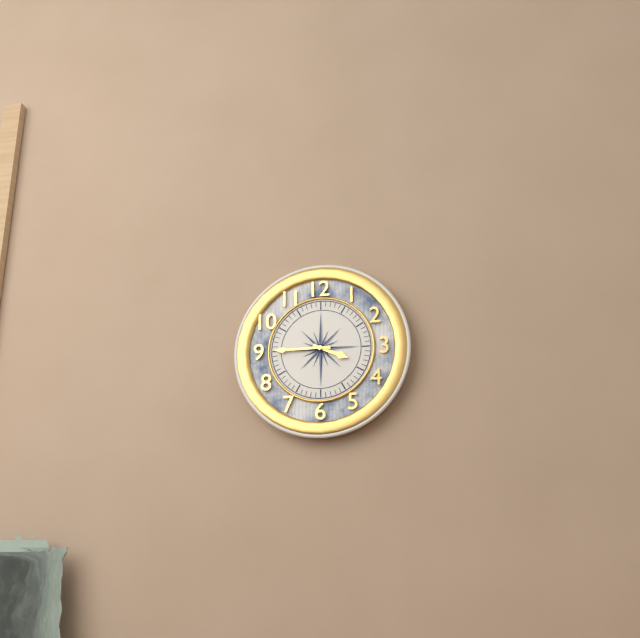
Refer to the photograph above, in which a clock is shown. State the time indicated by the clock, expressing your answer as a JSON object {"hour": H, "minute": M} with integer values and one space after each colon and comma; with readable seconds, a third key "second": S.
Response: {"hour": 3, "minute": 45}
